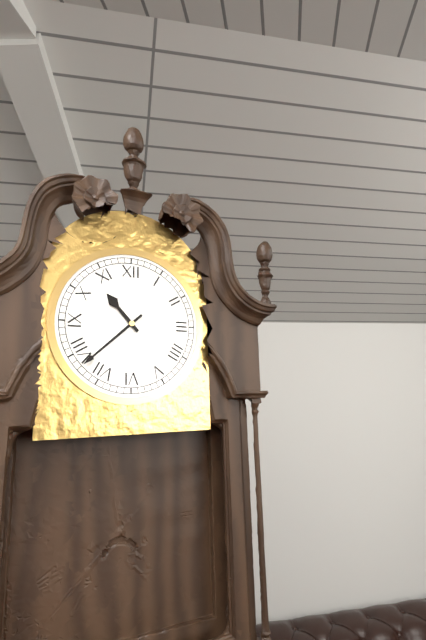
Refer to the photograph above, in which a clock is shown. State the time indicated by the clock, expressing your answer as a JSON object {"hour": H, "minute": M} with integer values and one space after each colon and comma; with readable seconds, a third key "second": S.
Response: {"hour": 10, "minute": 38}
